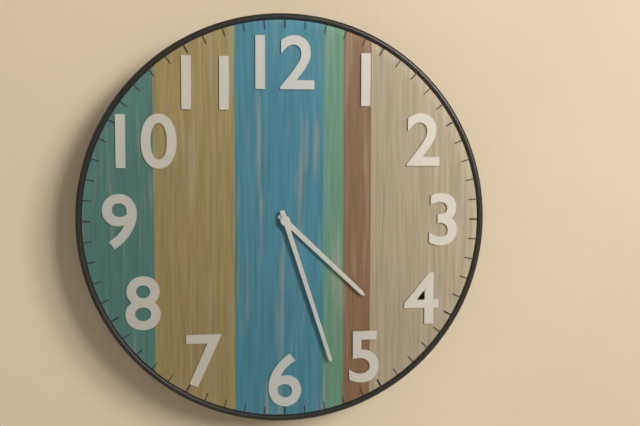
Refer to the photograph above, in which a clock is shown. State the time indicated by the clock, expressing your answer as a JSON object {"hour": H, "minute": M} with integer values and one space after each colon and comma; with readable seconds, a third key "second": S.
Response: {"hour": 4, "minute": 27}
